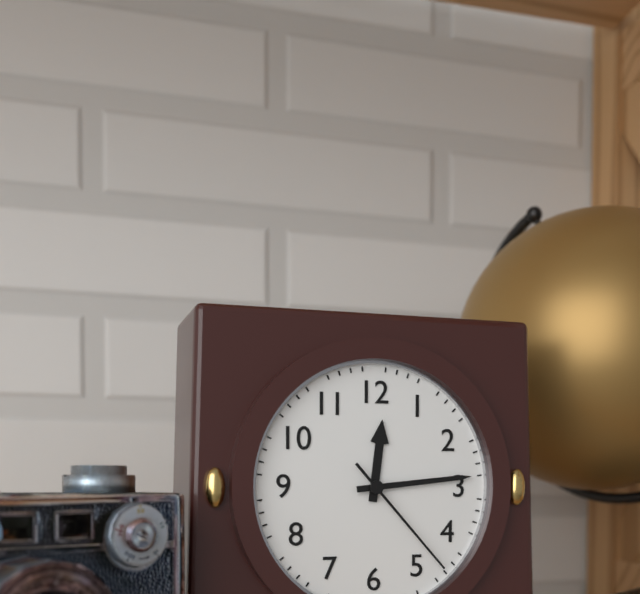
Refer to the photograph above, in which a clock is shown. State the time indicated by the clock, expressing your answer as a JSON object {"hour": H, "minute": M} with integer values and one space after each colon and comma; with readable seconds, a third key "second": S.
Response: {"hour": 12, "minute": 14, "second": 23}
